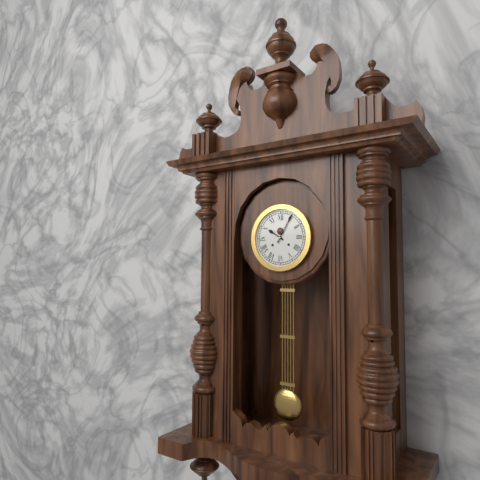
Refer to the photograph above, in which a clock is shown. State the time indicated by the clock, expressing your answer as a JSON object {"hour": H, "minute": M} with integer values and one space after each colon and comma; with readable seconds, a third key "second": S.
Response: {"hour": 10, "minute": 5}
